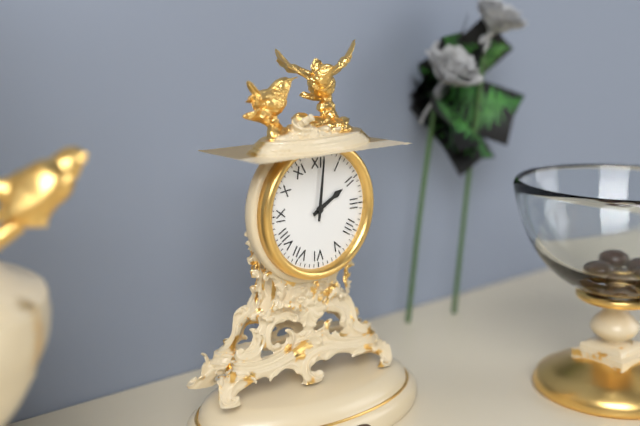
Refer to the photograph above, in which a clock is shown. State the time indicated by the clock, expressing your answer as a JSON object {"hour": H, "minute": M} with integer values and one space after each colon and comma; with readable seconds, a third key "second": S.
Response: {"hour": 2, "minute": 1}
